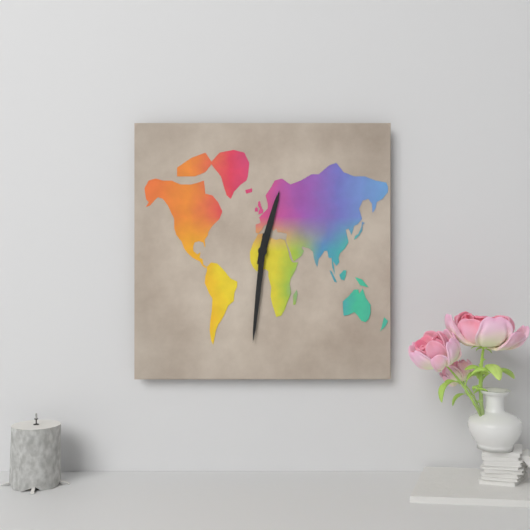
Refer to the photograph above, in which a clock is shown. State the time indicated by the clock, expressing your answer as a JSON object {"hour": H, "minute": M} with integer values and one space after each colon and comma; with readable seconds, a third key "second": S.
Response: {"hour": 12, "minute": 31}
